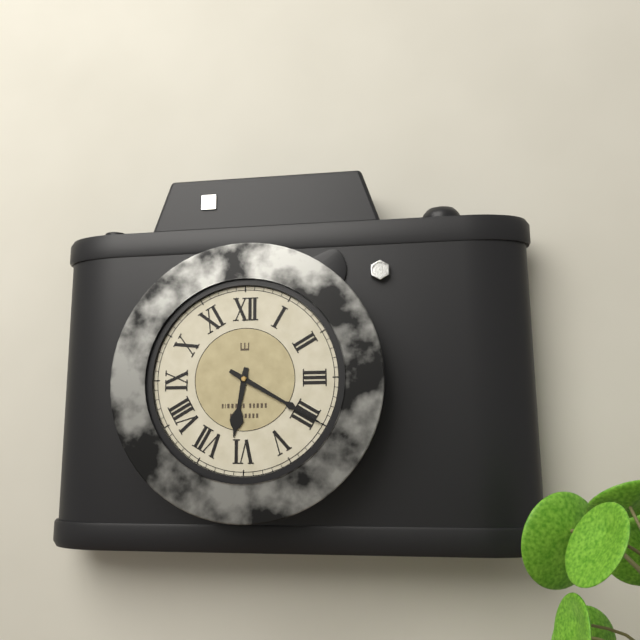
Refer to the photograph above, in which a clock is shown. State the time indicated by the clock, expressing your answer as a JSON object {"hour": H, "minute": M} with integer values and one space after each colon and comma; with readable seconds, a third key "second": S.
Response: {"hour": 6, "minute": 20}
